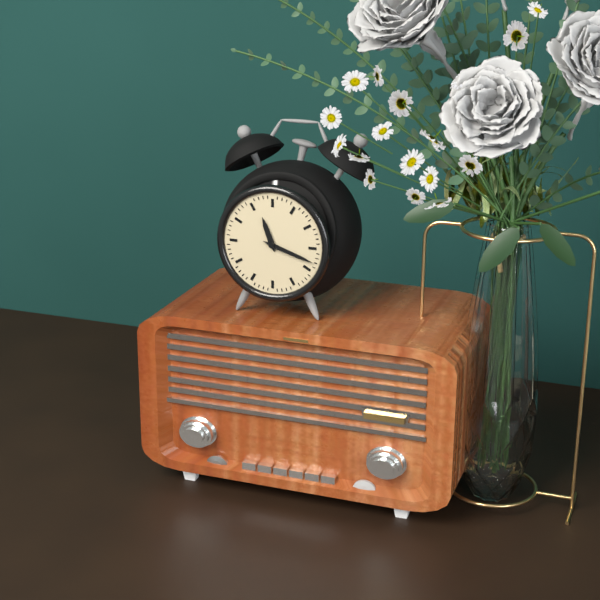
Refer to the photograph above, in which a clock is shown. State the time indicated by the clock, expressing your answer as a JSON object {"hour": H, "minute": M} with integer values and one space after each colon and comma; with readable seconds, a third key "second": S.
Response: {"hour": 11, "minute": 18}
